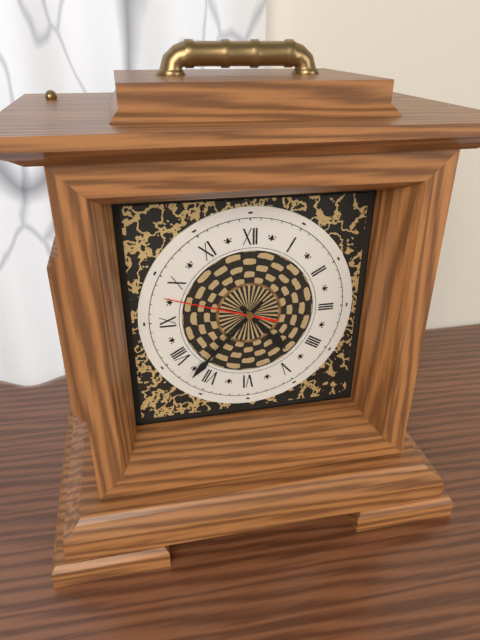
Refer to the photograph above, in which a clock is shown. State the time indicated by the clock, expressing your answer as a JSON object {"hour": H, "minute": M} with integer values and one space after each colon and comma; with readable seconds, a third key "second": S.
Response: {"hour": 4, "minute": 37, "second": 48}
